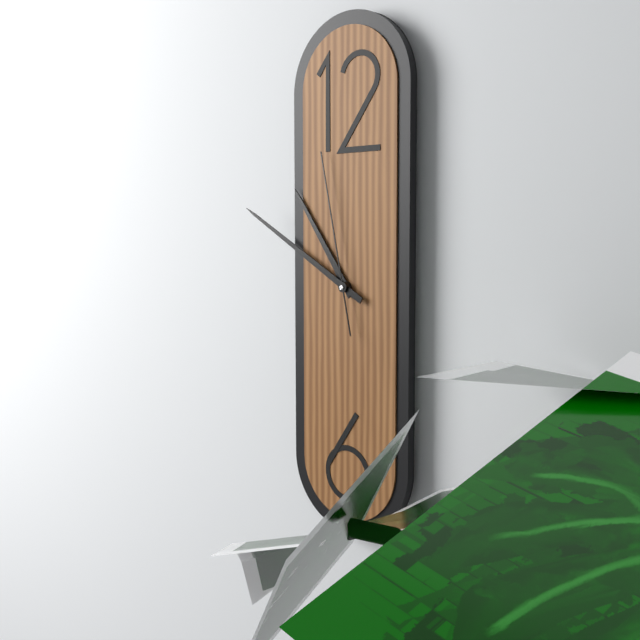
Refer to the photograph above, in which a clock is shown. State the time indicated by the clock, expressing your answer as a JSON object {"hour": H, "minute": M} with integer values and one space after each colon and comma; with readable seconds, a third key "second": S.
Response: {"hour": 10, "minute": 50, "second": 58}
